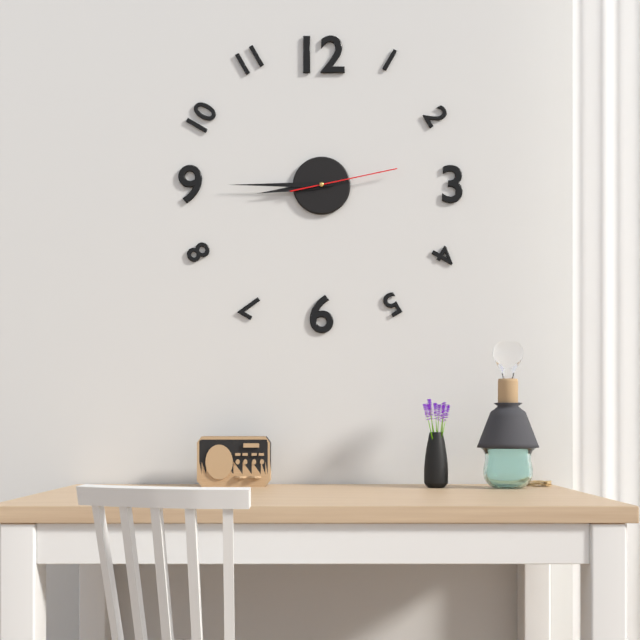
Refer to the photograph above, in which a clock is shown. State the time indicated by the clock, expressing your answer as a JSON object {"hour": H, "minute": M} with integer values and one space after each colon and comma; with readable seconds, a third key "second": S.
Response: {"hour": 8, "minute": 45, "second": 13}
